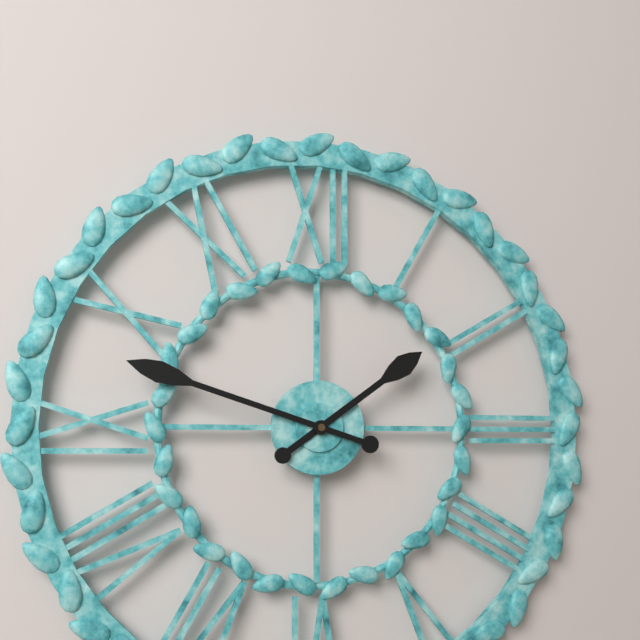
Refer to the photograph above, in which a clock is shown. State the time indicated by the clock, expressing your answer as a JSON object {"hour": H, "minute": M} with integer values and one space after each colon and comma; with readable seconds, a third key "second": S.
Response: {"hour": 1, "minute": 48}
